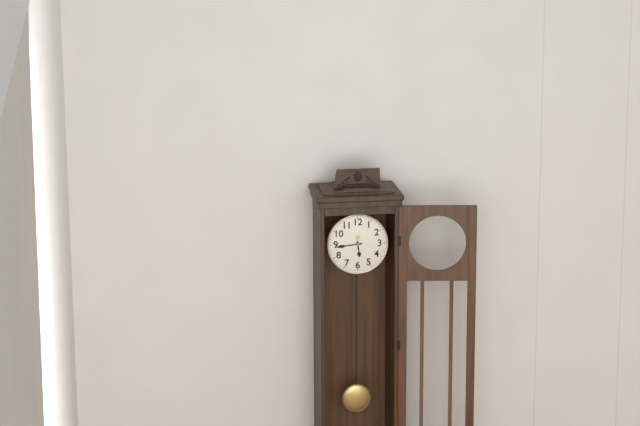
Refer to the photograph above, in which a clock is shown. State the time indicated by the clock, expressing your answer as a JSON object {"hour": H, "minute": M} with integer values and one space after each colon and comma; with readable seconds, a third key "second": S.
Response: {"hour": 5, "minute": 44}
